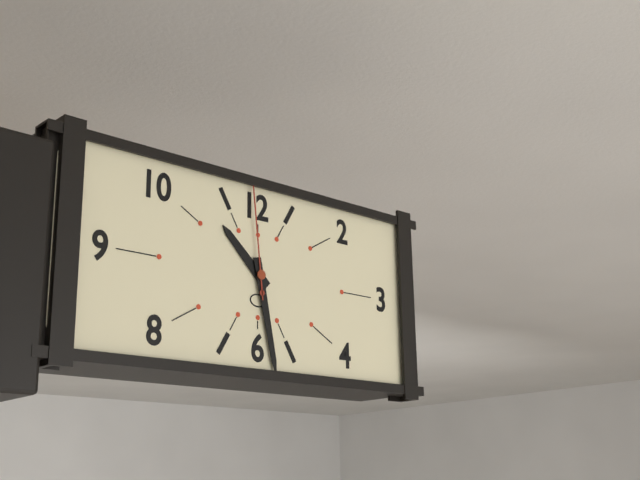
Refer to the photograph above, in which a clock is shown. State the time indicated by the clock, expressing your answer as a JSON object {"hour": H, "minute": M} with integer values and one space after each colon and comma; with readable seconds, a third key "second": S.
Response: {"hour": 10, "minute": 28, "second": 59}
